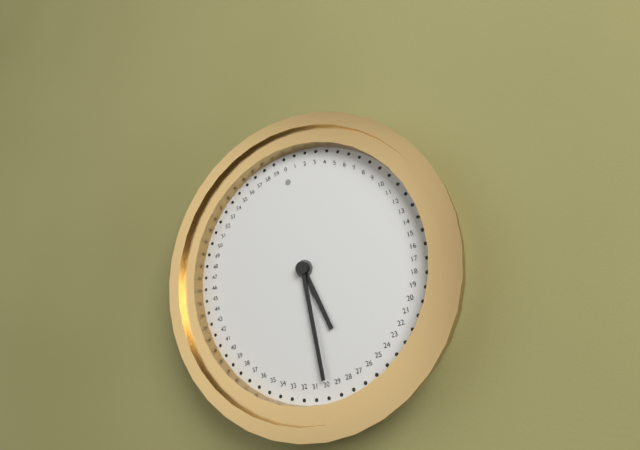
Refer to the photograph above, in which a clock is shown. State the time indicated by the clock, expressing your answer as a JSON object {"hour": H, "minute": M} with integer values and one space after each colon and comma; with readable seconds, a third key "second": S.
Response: {"hour": 5, "minute": 30}
